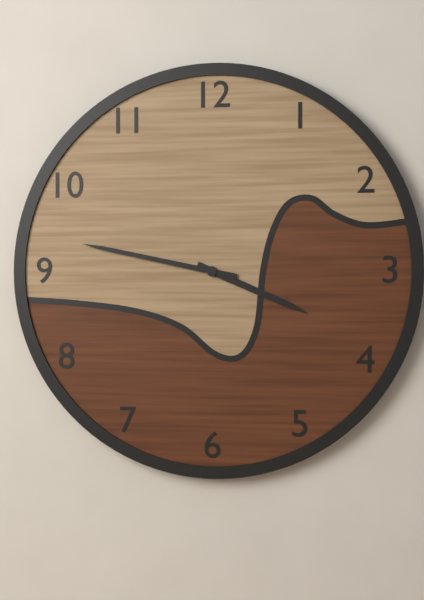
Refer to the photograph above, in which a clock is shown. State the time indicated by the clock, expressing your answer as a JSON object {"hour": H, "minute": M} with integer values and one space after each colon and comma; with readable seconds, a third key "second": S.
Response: {"hour": 3, "minute": 47}
